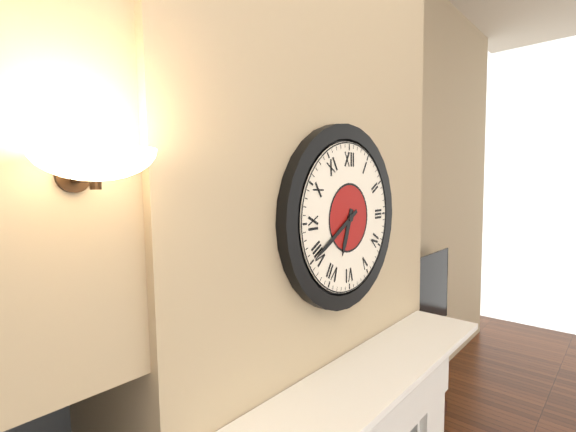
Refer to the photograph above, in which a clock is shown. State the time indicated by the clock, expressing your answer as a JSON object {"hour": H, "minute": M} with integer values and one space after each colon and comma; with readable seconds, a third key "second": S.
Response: {"hour": 6, "minute": 40}
